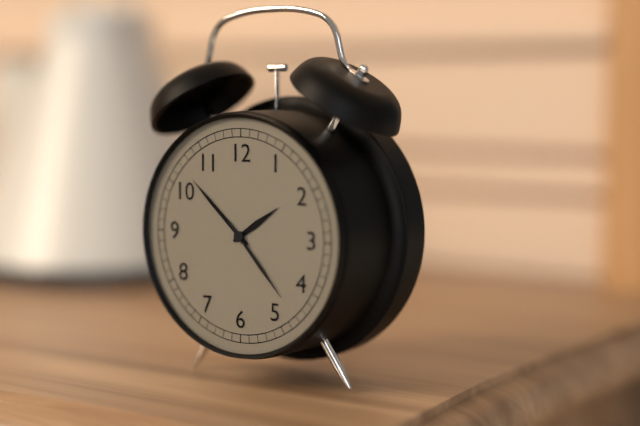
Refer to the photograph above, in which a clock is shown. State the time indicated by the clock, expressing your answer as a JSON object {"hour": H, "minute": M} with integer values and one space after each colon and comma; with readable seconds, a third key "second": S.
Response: {"hour": 1, "minute": 52, "second": 23}
